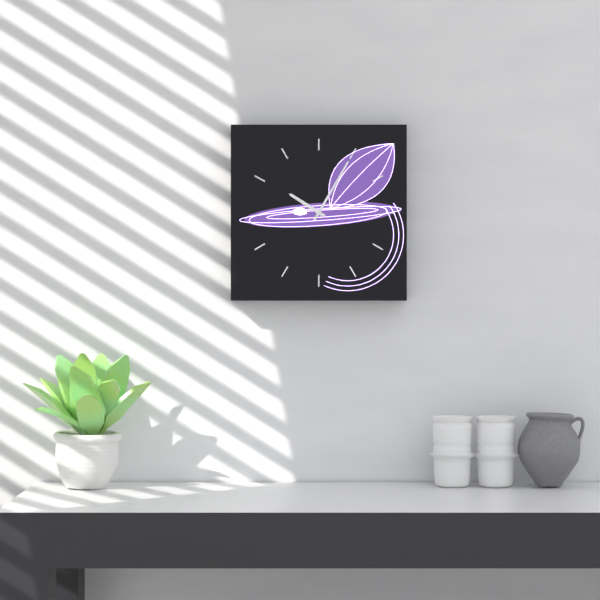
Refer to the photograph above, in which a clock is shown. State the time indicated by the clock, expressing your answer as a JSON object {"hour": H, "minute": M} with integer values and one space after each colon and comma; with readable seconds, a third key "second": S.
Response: {"hour": 10, "minute": 5}
